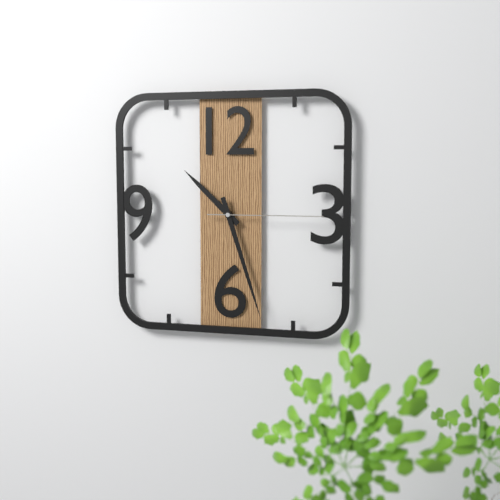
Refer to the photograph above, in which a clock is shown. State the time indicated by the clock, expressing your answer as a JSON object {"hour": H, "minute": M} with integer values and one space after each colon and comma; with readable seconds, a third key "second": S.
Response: {"hour": 10, "minute": 27, "second": 15}
